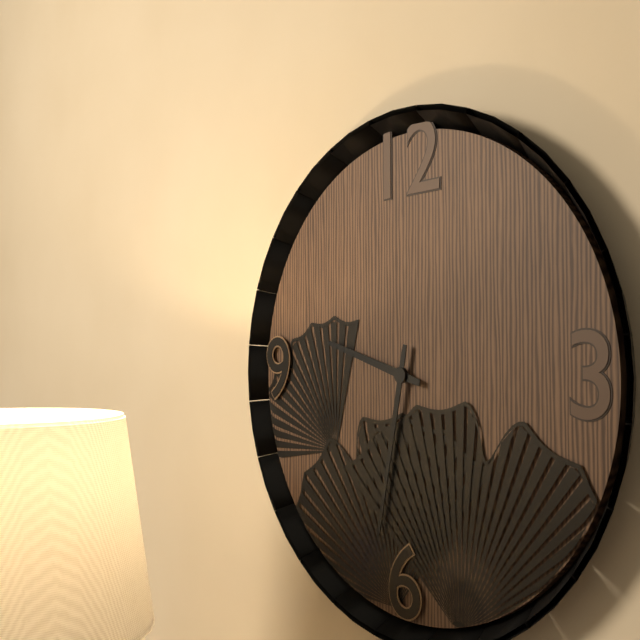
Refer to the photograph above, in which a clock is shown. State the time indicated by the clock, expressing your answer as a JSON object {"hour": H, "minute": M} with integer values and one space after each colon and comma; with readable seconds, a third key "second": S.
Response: {"hour": 9, "minute": 32}
